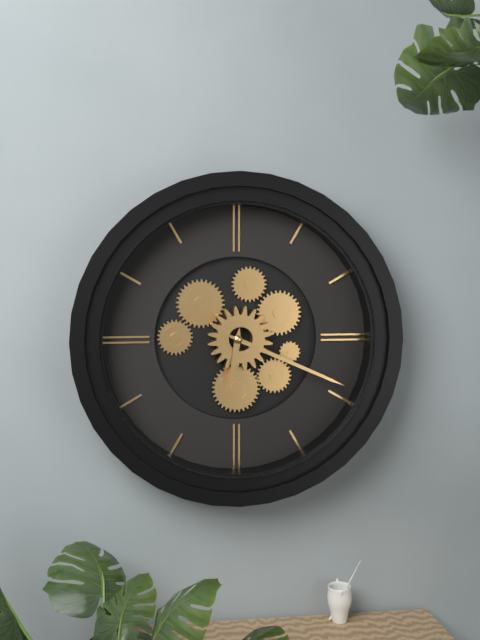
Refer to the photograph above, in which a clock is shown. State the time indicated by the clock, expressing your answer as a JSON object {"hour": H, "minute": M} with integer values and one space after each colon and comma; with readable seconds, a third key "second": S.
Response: {"hour": 6, "minute": 19}
